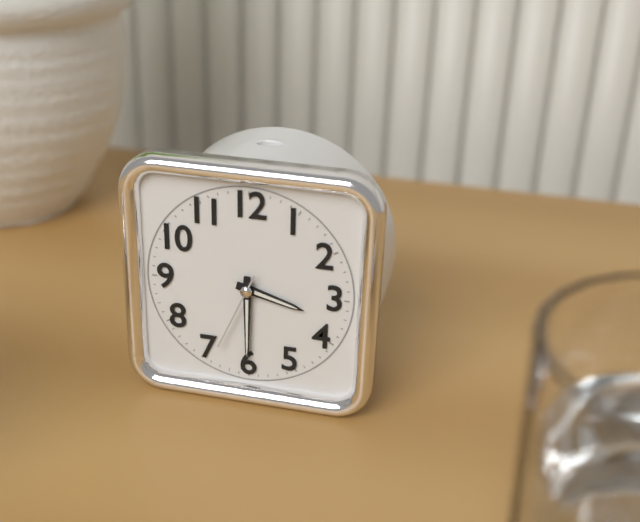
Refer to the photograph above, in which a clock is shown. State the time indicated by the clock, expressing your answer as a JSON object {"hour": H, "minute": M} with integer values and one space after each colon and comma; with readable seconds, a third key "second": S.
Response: {"hour": 3, "minute": 30, "second": 34}
